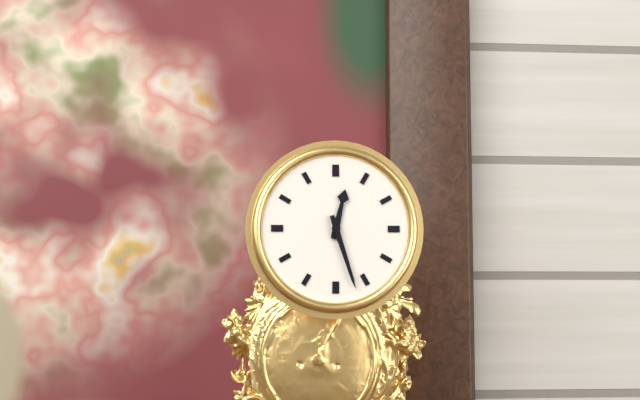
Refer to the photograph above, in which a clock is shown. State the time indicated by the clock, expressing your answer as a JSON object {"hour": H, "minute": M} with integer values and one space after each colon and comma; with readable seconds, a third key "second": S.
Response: {"hour": 12, "minute": 27}
